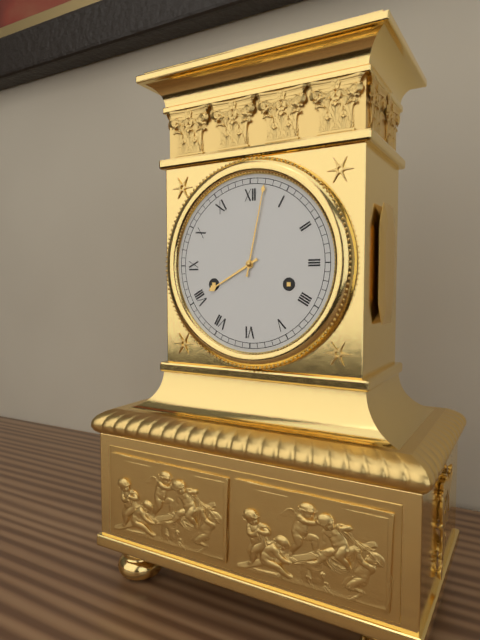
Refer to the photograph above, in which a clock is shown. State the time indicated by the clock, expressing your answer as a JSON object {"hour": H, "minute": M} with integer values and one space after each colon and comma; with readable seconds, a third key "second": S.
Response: {"hour": 8, "minute": 2}
